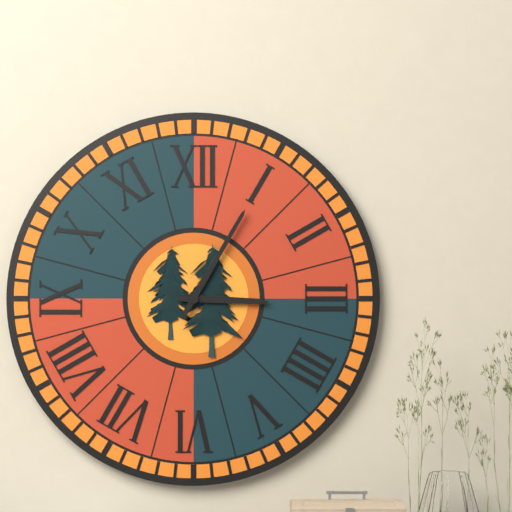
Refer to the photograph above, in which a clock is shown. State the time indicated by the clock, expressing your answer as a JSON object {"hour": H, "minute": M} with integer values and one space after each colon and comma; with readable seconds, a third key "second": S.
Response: {"hour": 3, "minute": 5}
